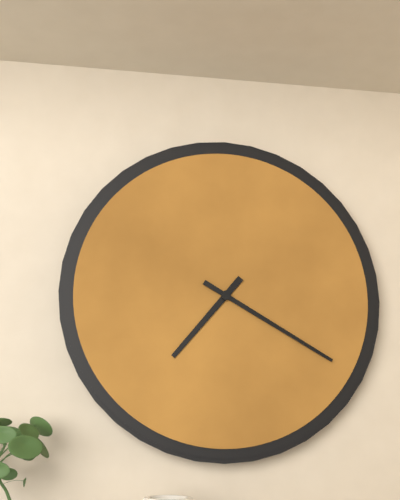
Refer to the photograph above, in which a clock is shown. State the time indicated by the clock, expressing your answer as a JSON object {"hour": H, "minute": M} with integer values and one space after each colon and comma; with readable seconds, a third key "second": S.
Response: {"hour": 7, "minute": 20}
